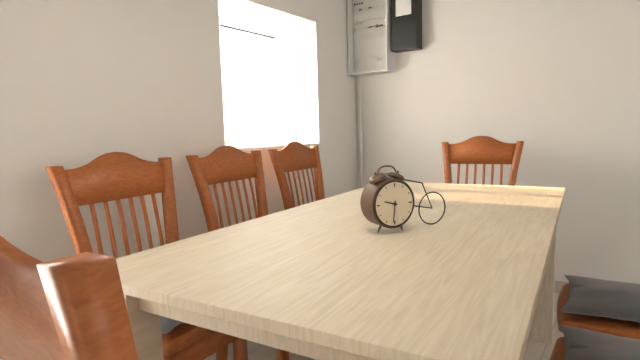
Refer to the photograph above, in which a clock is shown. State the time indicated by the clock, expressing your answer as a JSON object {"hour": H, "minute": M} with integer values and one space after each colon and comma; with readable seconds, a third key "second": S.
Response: {"hour": 9, "minute": 31}
